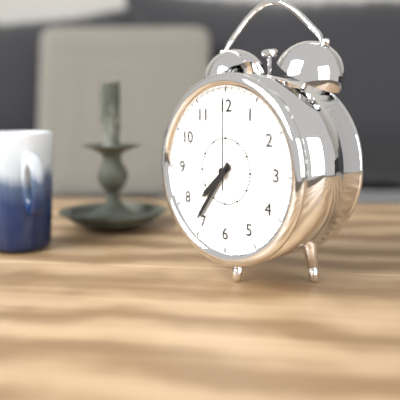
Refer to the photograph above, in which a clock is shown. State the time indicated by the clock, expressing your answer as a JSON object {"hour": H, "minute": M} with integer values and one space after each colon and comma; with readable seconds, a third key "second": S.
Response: {"hour": 7, "minute": 36, "second": 0}
